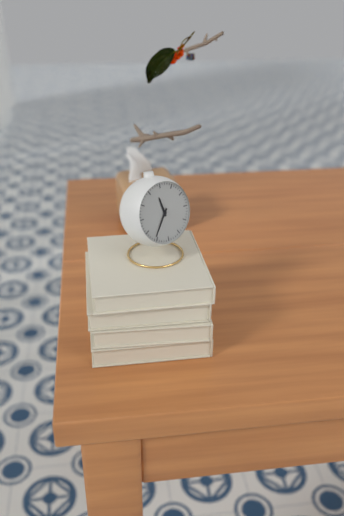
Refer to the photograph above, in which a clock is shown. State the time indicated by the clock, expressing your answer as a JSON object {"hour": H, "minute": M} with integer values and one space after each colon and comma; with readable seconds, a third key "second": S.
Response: {"hour": 11, "minute": 36}
